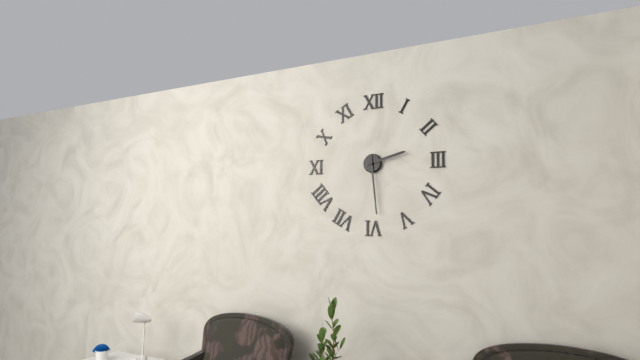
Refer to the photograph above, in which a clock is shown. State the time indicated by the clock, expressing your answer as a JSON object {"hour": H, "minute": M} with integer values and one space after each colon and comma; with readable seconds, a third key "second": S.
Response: {"hour": 2, "minute": 29}
